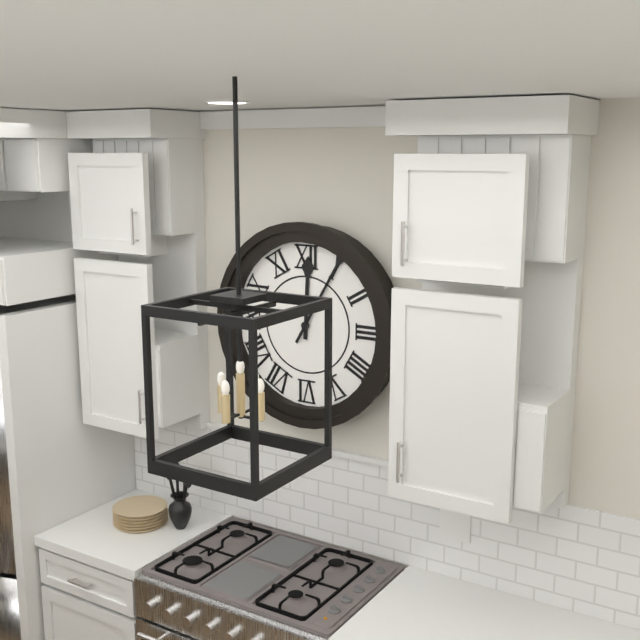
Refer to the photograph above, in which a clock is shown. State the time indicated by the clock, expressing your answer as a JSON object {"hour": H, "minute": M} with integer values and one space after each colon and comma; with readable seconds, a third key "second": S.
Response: {"hour": 12, "minute": 5}
